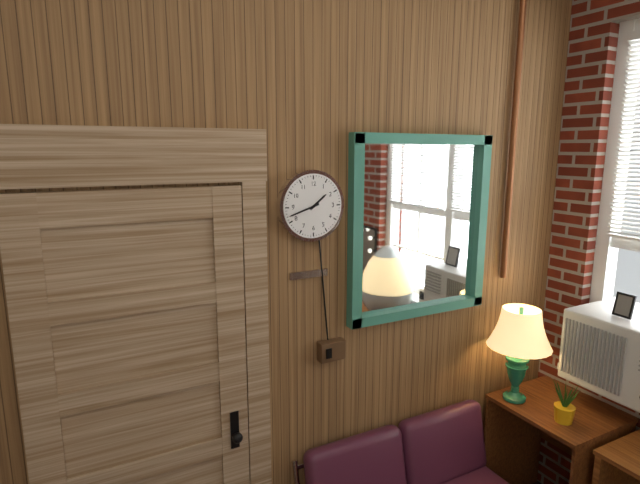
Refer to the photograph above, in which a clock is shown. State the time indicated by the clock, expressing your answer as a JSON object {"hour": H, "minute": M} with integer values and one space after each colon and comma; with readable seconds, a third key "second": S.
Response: {"hour": 1, "minute": 42}
